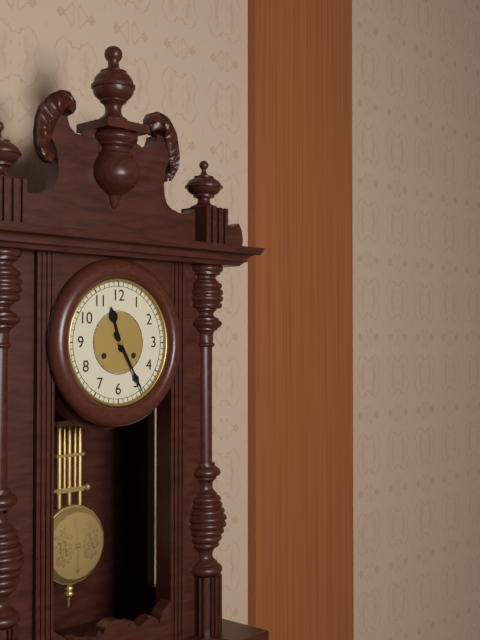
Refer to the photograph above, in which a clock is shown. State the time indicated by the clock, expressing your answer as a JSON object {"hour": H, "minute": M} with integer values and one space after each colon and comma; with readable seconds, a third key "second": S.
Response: {"hour": 11, "minute": 25}
